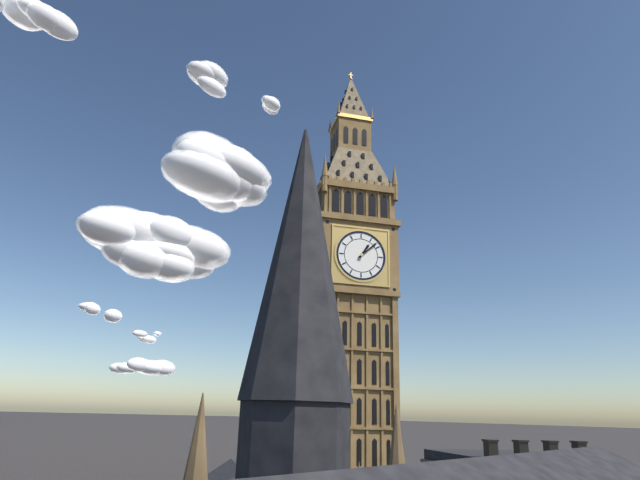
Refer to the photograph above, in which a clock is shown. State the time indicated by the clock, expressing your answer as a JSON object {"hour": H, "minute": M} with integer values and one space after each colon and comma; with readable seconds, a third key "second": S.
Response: {"hour": 1, "minute": 8}
